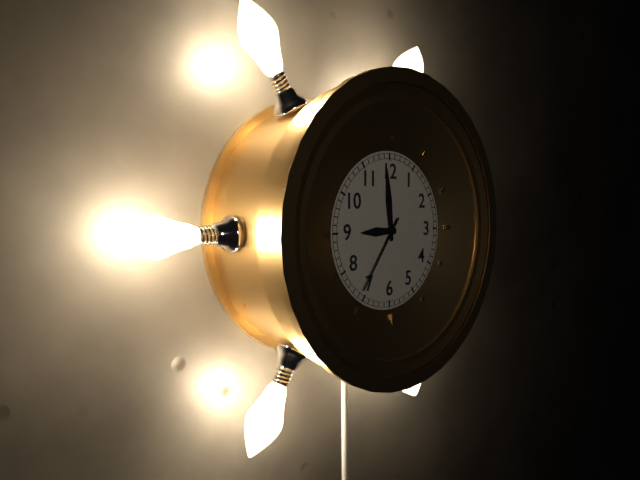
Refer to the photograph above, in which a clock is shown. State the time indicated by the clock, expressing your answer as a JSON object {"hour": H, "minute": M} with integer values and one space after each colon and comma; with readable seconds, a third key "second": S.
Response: {"hour": 8, "minute": 59, "second": 36}
